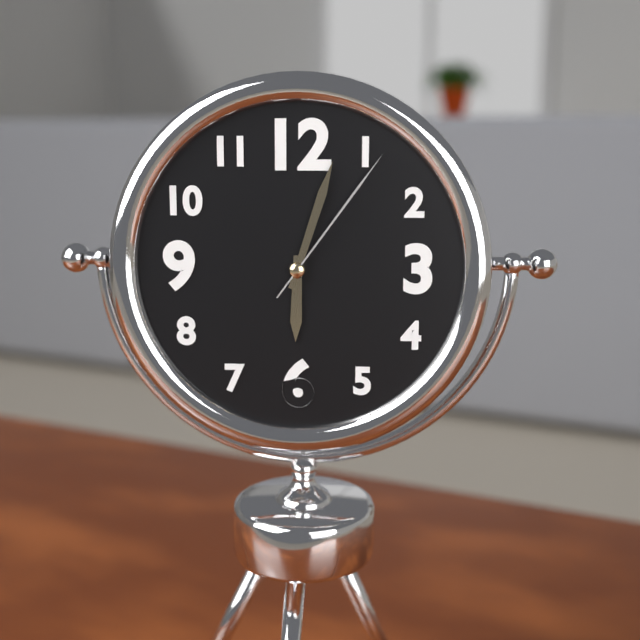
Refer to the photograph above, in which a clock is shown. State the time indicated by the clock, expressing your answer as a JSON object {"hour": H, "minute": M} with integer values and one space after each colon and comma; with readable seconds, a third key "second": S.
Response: {"hour": 6, "minute": 3, "second": 6}
